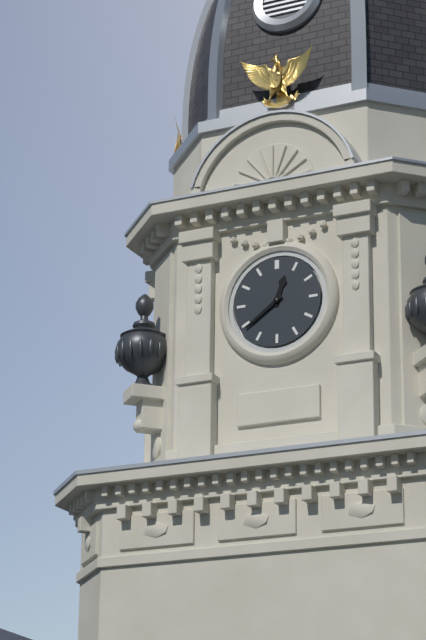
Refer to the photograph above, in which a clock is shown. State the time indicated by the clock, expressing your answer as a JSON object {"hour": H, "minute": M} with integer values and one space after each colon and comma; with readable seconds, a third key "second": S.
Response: {"hour": 12, "minute": 39}
